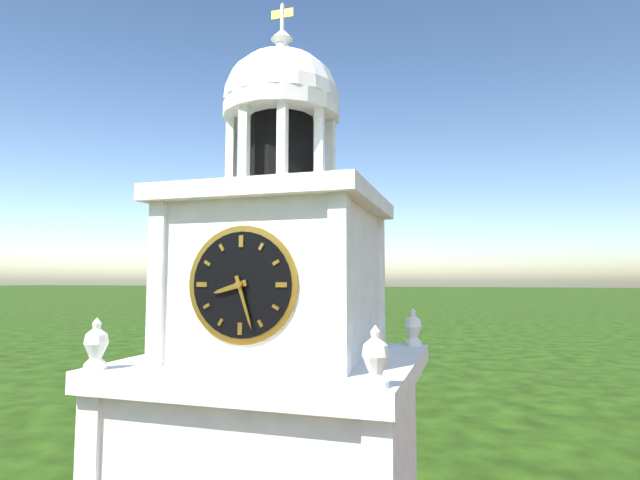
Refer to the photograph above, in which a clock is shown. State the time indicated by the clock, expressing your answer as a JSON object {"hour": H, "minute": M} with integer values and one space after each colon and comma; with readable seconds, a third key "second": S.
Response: {"hour": 8, "minute": 27}
